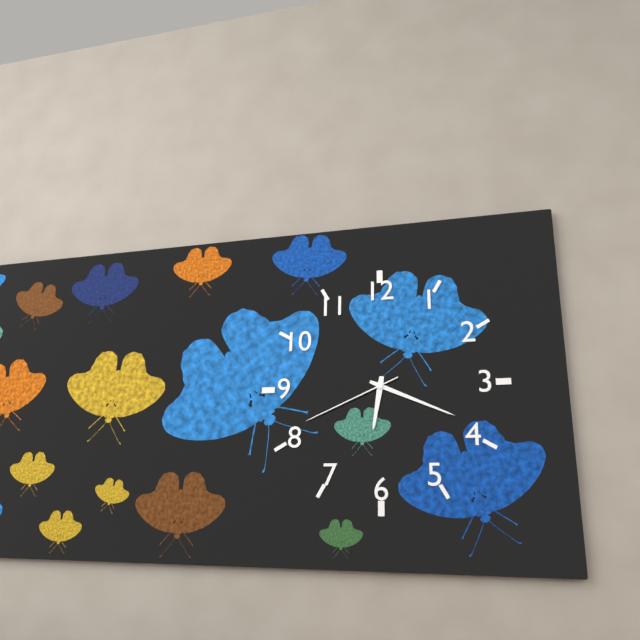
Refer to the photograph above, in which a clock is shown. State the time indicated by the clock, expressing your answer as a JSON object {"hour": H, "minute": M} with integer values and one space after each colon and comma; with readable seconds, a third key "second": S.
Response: {"hour": 6, "minute": 19, "second": 41}
